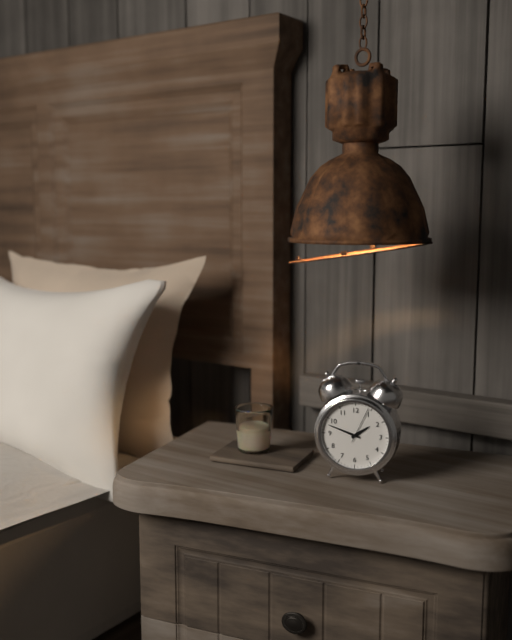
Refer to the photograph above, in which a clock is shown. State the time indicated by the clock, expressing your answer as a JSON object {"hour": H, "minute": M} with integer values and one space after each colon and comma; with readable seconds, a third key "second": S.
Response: {"hour": 1, "minute": 48}
